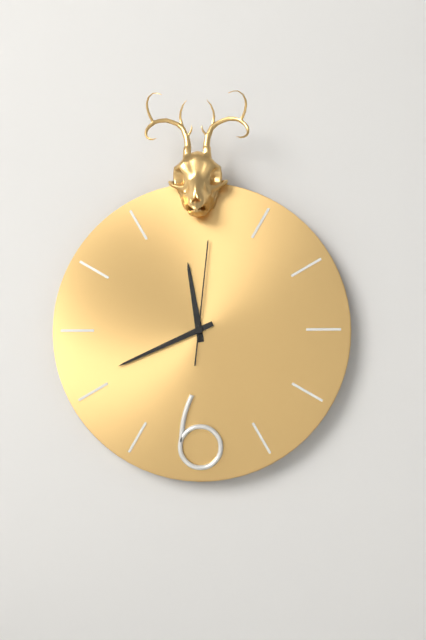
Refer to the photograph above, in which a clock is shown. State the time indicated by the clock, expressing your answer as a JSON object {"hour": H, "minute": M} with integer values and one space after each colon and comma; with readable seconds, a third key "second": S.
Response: {"hour": 11, "minute": 41, "second": 1}
